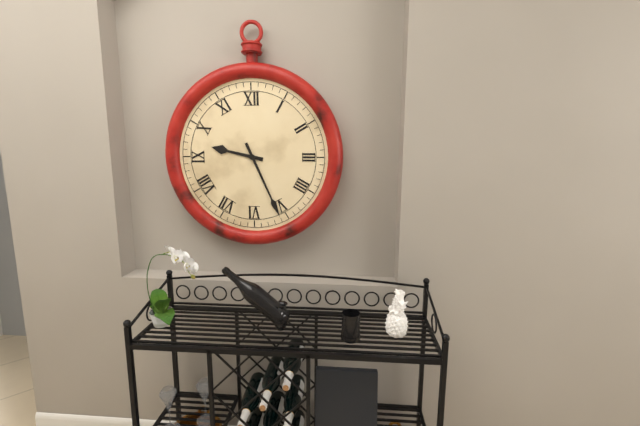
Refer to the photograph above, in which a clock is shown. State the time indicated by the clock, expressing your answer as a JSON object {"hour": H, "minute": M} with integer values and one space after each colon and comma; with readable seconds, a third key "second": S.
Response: {"hour": 9, "minute": 26}
